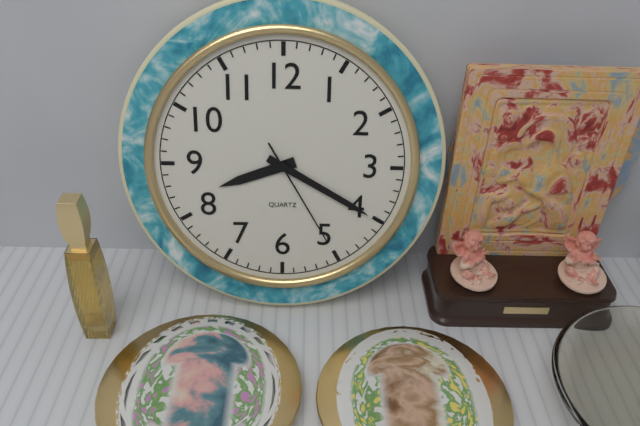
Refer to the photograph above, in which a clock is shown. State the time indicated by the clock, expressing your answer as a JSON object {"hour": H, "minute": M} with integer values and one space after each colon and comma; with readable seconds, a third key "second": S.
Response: {"hour": 8, "minute": 20, "second": 25}
